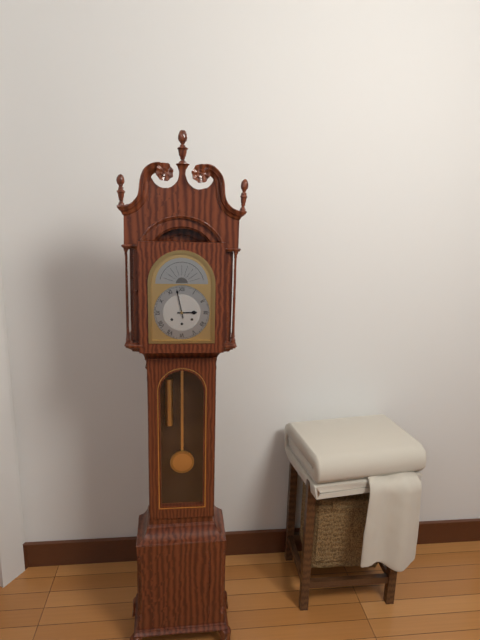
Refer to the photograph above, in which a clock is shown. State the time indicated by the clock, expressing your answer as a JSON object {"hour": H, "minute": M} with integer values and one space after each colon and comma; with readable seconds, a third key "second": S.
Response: {"hour": 2, "minute": 58}
